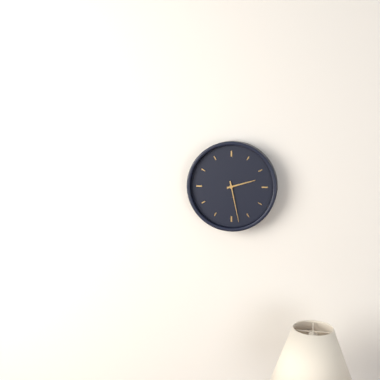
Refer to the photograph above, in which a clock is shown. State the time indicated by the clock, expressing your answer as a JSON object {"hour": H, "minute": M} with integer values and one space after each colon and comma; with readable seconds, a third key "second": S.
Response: {"hour": 2, "minute": 28}
